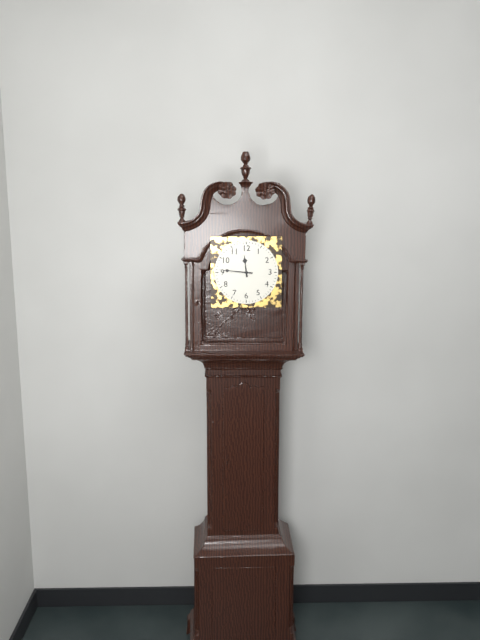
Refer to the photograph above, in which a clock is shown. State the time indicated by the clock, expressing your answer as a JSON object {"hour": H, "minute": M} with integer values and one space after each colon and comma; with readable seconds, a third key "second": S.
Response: {"hour": 11, "minute": 46}
